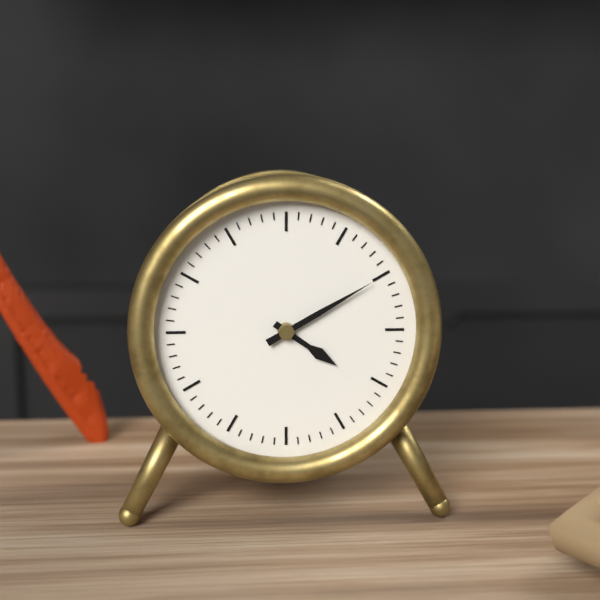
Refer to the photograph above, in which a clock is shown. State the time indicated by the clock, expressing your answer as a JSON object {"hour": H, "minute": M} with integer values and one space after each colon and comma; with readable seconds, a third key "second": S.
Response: {"hour": 4, "minute": 10}
